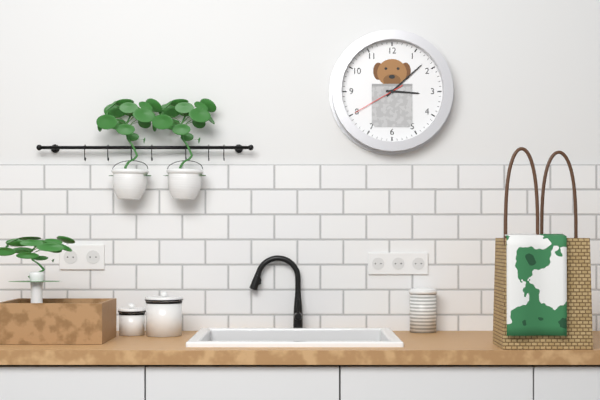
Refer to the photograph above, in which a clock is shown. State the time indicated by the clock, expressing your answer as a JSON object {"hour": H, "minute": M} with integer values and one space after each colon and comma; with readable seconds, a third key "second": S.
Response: {"hour": 3, "minute": 8, "second": 40}
